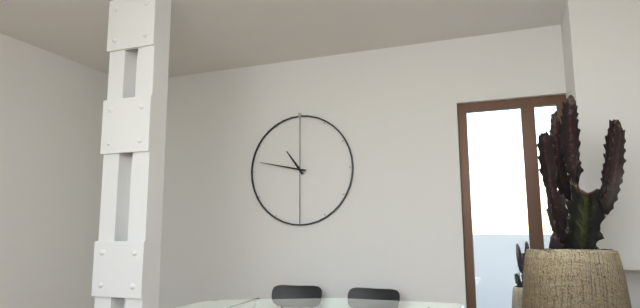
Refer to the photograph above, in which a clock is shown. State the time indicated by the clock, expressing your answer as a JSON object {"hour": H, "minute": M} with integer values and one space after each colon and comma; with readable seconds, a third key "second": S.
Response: {"hour": 10, "minute": 47}
